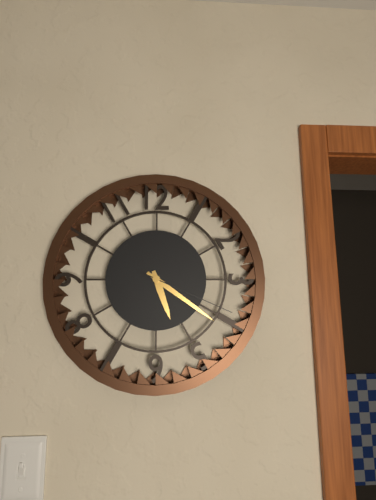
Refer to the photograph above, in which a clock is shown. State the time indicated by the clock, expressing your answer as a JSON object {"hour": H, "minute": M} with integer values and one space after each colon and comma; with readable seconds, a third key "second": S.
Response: {"hour": 5, "minute": 21, "second": 19}
